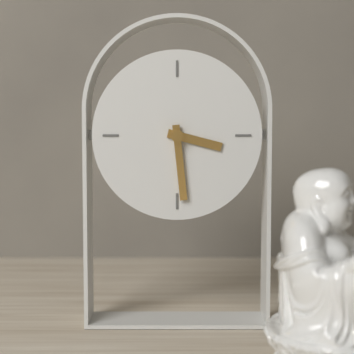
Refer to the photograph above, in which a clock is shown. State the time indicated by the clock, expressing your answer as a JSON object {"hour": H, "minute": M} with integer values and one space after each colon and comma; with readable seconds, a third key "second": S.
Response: {"hour": 3, "minute": 29}
